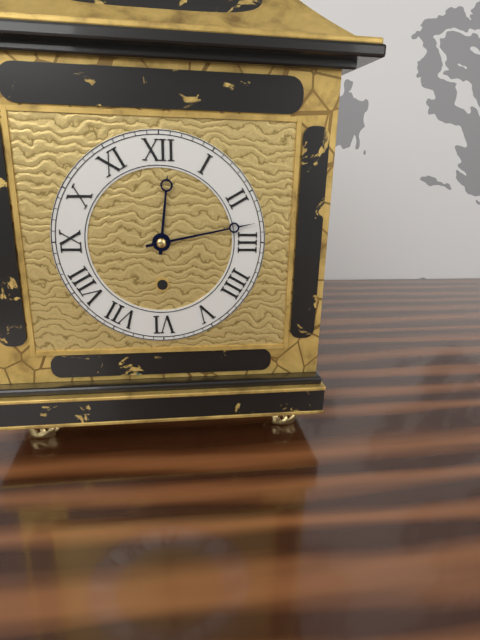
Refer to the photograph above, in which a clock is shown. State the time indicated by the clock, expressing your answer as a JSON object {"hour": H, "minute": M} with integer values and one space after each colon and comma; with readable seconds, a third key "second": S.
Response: {"hour": 12, "minute": 13}
